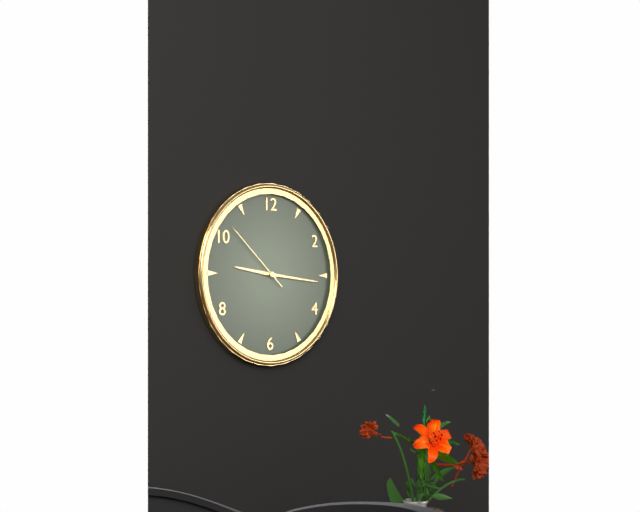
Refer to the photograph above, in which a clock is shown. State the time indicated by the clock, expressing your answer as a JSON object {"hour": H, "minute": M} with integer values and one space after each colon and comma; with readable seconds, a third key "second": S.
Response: {"hour": 9, "minute": 16, "second": 52}
